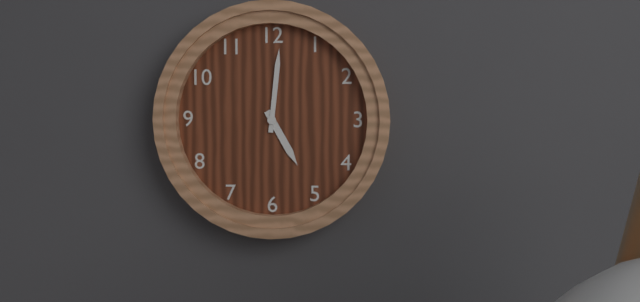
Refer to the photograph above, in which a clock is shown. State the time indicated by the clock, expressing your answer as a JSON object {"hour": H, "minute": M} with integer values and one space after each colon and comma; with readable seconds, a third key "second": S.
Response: {"hour": 5, "minute": 1}
